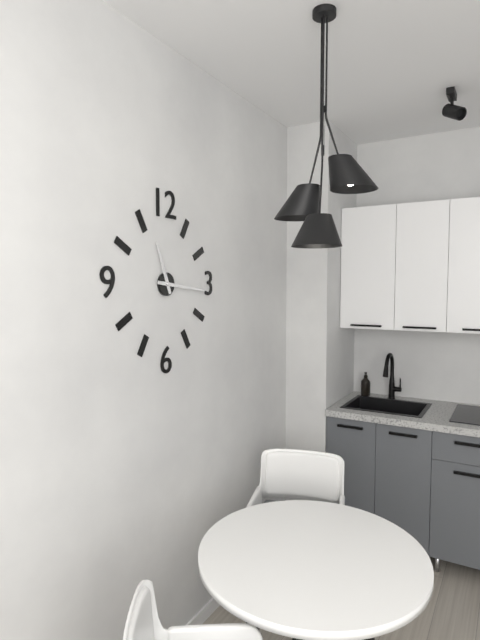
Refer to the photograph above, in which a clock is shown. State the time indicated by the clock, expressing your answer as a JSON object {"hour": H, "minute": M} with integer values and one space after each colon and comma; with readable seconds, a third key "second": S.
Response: {"hour": 11, "minute": 16}
